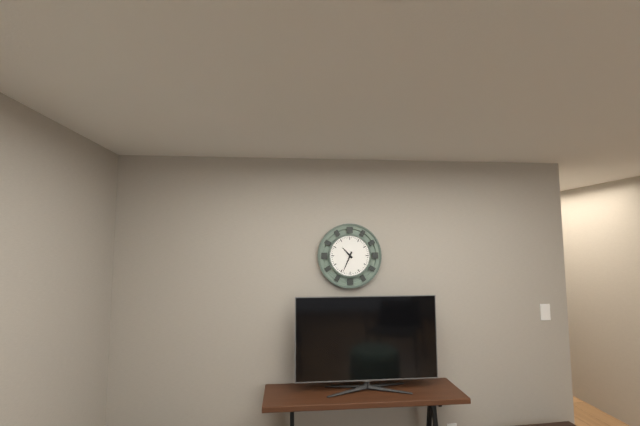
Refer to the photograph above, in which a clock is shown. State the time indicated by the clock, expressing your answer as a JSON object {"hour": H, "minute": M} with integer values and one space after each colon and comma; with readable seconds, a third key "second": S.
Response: {"hour": 10, "minute": 34}
